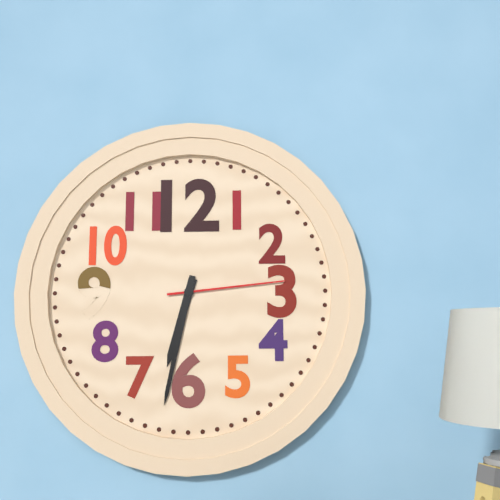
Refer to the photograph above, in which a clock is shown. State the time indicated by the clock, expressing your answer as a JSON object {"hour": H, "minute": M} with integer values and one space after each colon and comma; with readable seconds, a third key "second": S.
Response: {"hour": 6, "minute": 32, "second": 14}
